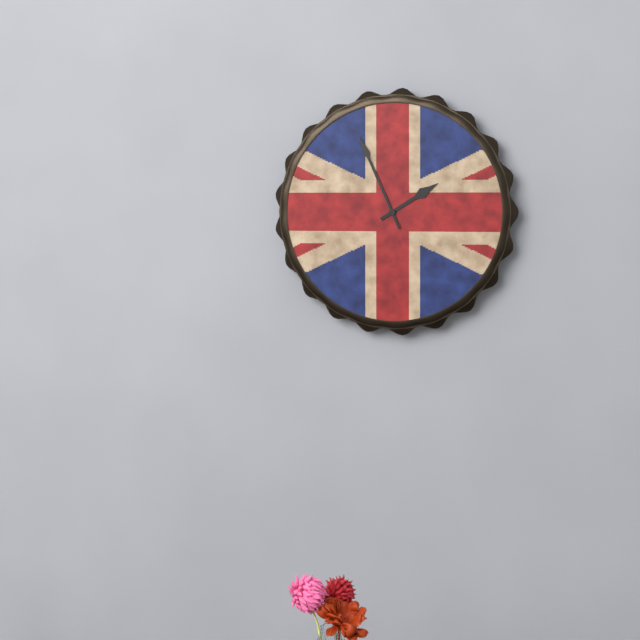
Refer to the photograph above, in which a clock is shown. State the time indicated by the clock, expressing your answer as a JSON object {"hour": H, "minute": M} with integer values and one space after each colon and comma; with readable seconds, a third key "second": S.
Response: {"hour": 1, "minute": 56}
